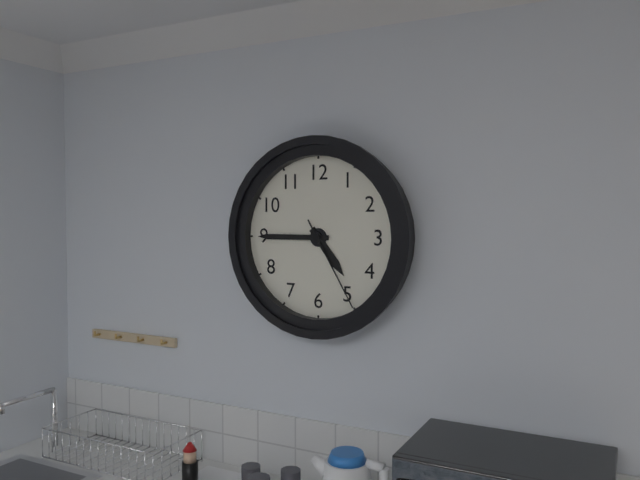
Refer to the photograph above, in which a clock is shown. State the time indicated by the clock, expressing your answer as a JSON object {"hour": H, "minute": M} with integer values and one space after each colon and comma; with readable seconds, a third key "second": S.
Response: {"hour": 4, "minute": 45, "second": 25}
